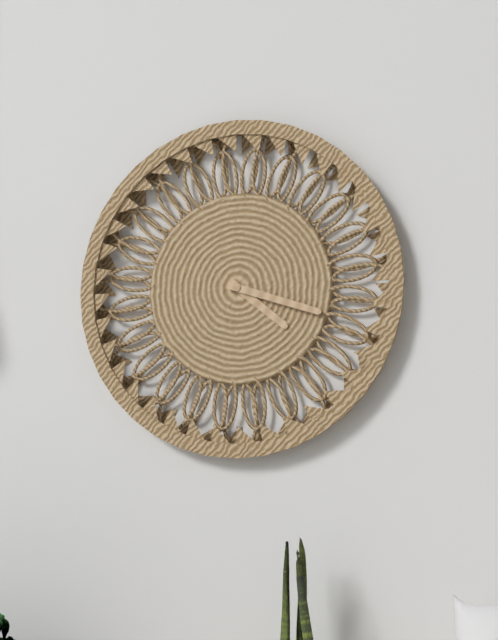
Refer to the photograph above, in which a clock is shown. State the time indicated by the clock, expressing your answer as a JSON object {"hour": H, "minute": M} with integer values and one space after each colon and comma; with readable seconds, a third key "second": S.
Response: {"hour": 4, "minute": 18}
